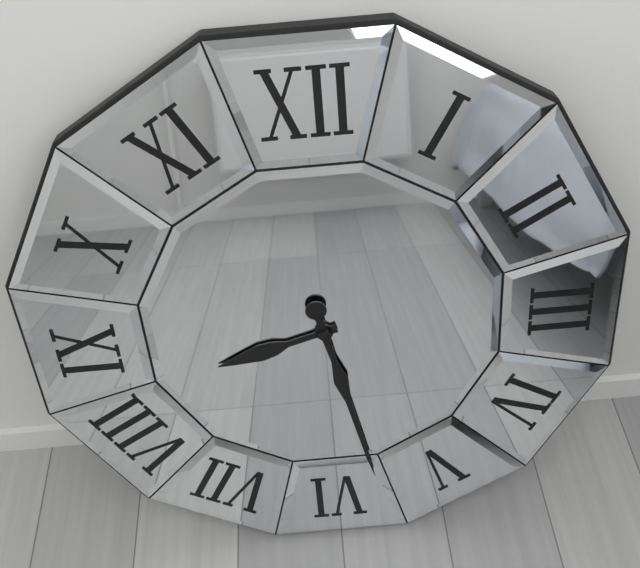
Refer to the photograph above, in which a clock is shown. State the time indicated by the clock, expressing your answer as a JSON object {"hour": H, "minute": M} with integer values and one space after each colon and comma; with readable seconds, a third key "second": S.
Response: {"hour": 8, "minute": 28}
